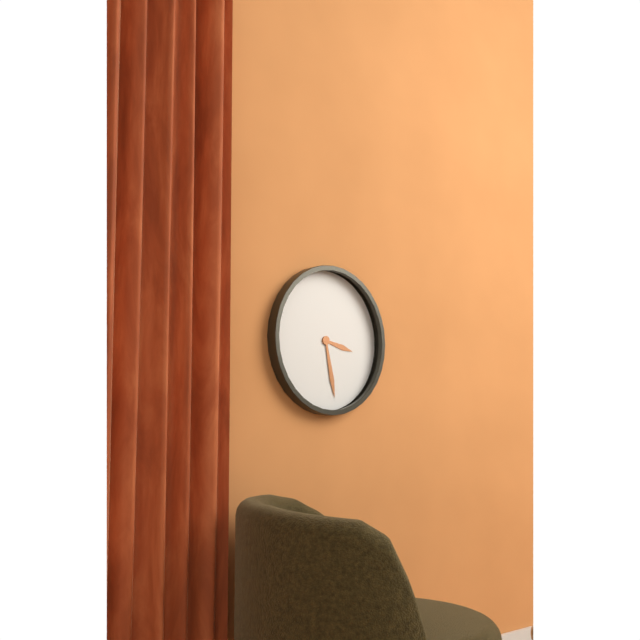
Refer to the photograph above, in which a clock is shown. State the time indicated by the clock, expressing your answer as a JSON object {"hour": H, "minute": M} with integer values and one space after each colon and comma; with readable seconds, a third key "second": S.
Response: {"hour": 3, "minute": 28}
